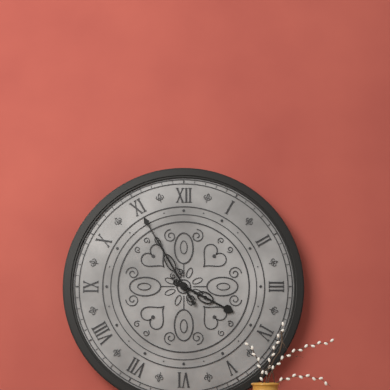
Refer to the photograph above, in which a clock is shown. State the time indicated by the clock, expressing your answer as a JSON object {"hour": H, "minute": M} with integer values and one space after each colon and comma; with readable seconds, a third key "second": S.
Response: {"hour": 3, "minute": 55}
